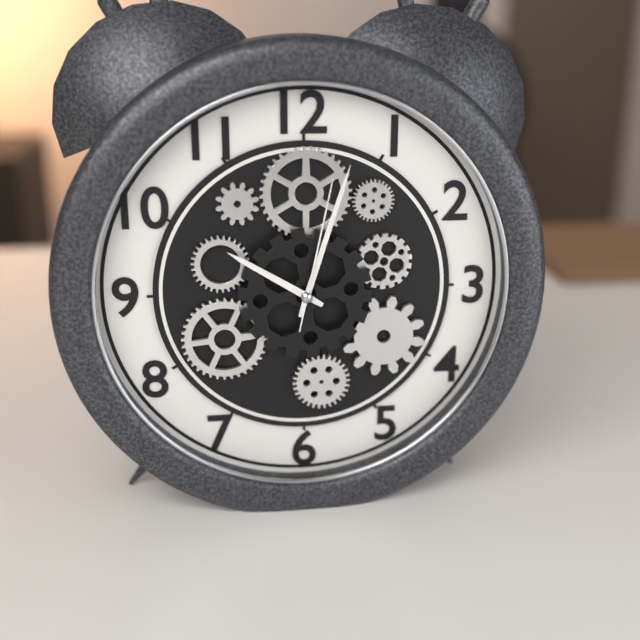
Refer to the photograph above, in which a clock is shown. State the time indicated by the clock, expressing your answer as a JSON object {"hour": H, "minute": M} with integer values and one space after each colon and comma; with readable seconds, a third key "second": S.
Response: {"hour": 10, "minute": 3, "second": 2}
